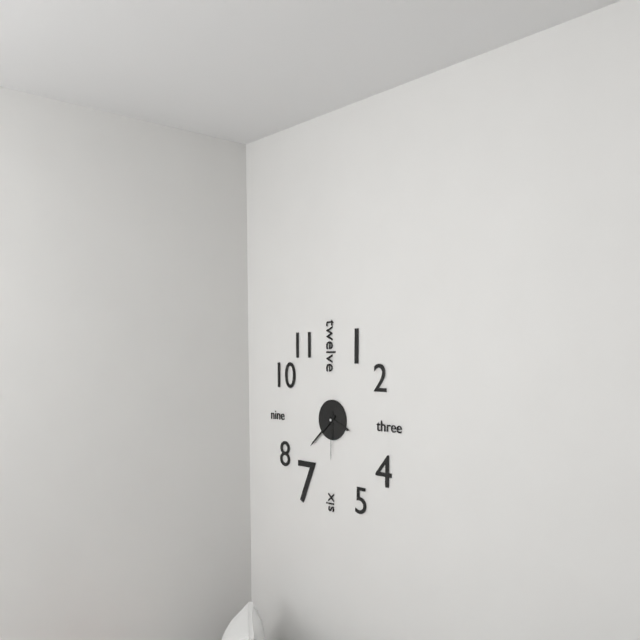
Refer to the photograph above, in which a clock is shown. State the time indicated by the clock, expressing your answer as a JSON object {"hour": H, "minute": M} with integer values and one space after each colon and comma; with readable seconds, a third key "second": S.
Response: {"hour": 3, "minute": 38, "second": 30}
